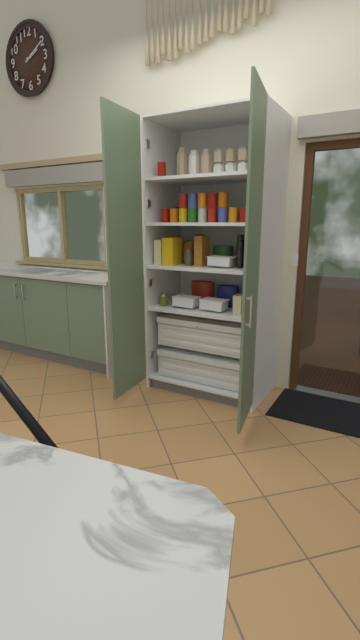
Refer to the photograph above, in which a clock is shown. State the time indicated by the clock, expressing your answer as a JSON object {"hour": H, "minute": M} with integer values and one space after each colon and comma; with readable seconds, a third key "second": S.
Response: {"hour": 2, "minute": 10}
